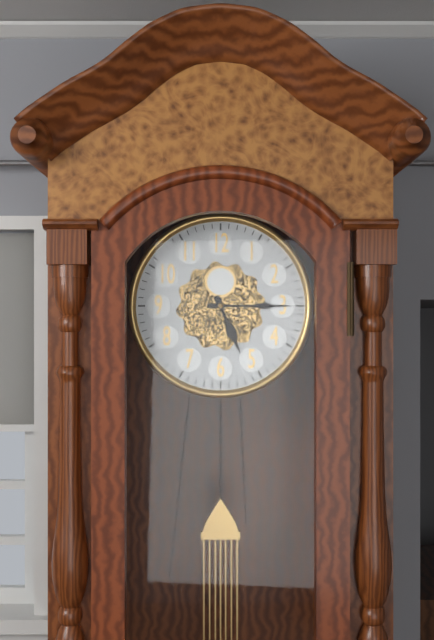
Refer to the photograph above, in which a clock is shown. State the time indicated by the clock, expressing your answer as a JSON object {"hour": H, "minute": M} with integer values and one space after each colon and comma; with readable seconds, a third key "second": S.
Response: {"hour": 5, "minute": 15}
